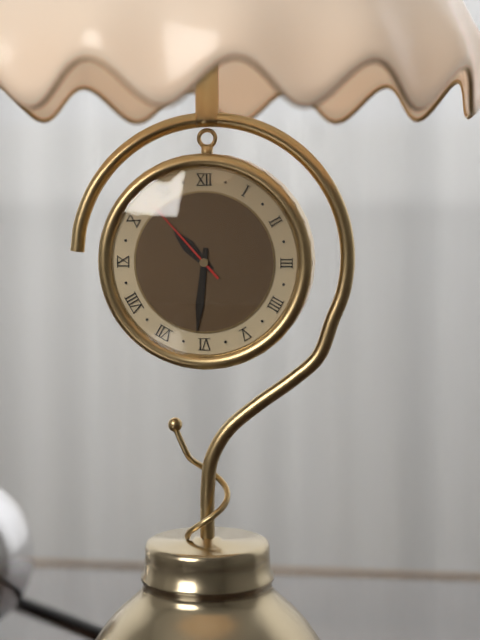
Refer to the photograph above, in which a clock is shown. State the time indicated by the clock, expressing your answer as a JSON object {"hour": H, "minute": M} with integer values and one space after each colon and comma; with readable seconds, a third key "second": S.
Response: {"hour": 10, "minute": 31, "second": 53}
